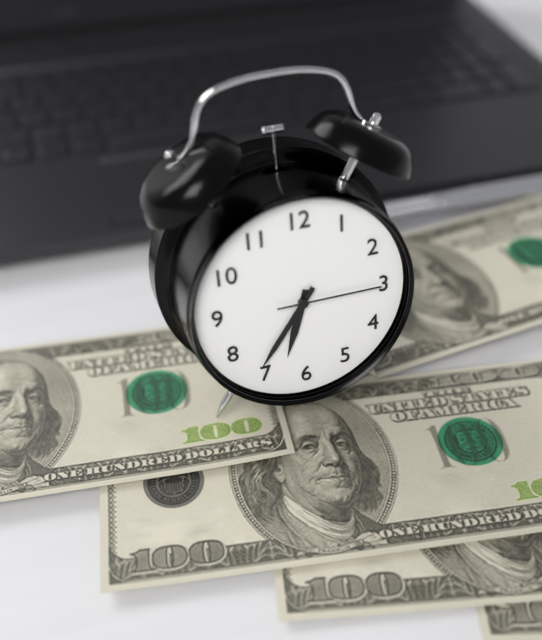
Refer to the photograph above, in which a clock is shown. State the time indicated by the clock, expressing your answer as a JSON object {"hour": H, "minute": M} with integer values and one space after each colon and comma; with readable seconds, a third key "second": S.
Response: {"hour": 6, "minute": 36, "second": 15}
